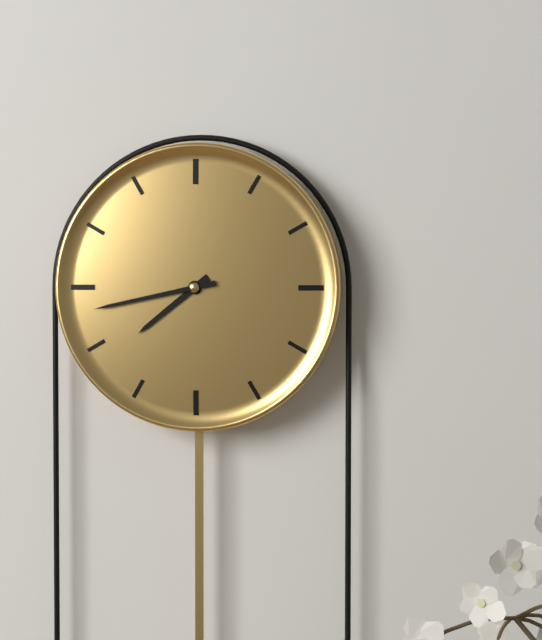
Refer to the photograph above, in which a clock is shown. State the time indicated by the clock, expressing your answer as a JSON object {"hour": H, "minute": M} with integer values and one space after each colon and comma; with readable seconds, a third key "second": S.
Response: {"hour": 7, "minute": 43}
